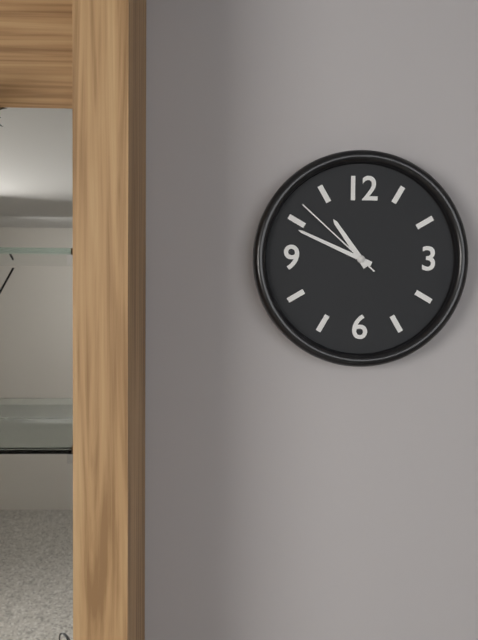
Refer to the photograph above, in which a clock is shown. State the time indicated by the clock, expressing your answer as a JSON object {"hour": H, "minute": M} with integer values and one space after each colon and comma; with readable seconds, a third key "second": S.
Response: {"hour": 10, "minute": 49, "second": 52}
